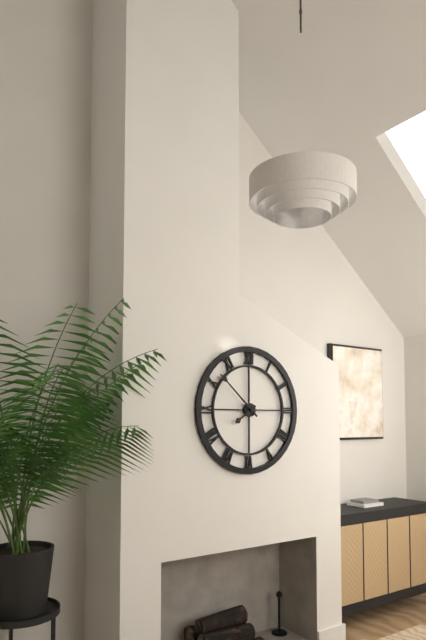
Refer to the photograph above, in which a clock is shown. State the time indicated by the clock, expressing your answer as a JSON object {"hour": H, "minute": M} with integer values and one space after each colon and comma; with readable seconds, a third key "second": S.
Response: {"hour": 7, "minute": 52}
